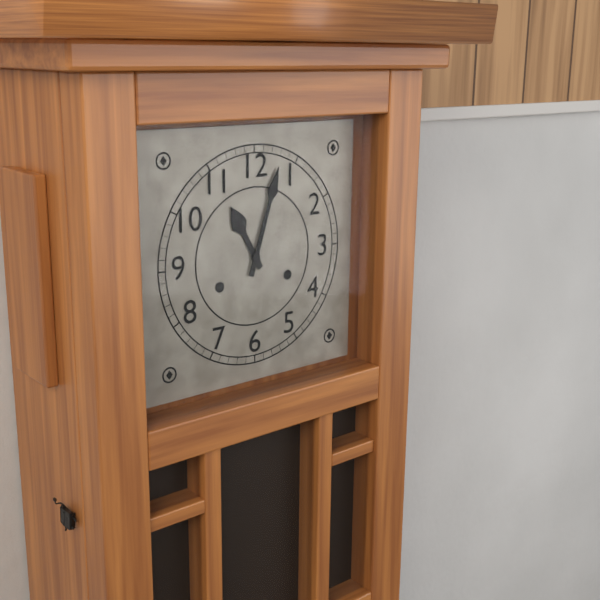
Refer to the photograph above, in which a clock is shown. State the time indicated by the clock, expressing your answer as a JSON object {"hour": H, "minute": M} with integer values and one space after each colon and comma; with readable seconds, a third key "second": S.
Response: {"hour": 11, "minute": 3}
